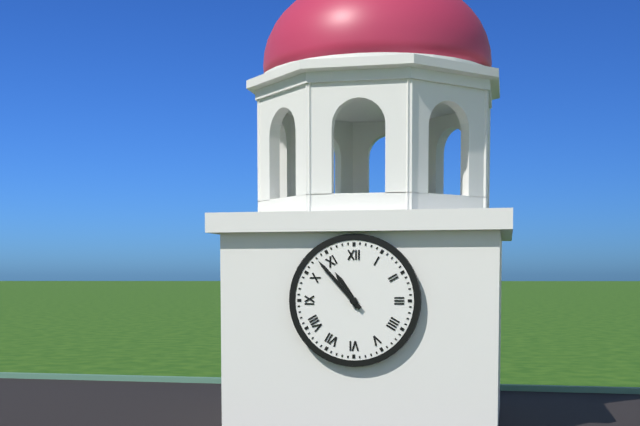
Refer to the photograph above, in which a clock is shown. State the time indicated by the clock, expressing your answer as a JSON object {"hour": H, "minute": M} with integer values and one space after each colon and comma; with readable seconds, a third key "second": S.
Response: {"hour": 10, "minute": 53}
